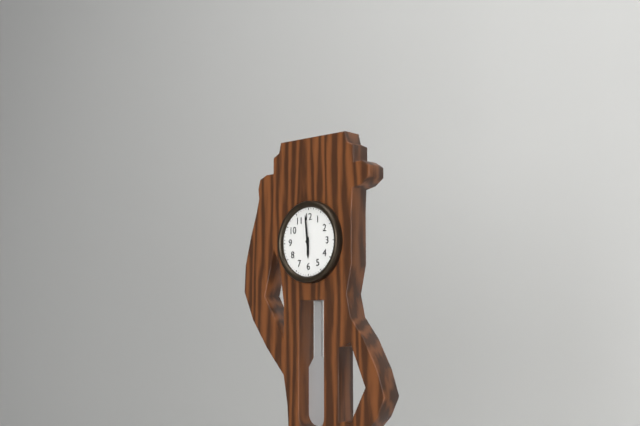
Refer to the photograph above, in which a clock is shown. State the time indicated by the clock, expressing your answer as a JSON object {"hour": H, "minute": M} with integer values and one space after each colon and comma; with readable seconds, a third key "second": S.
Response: {"hour": 5, "minute": 59}
